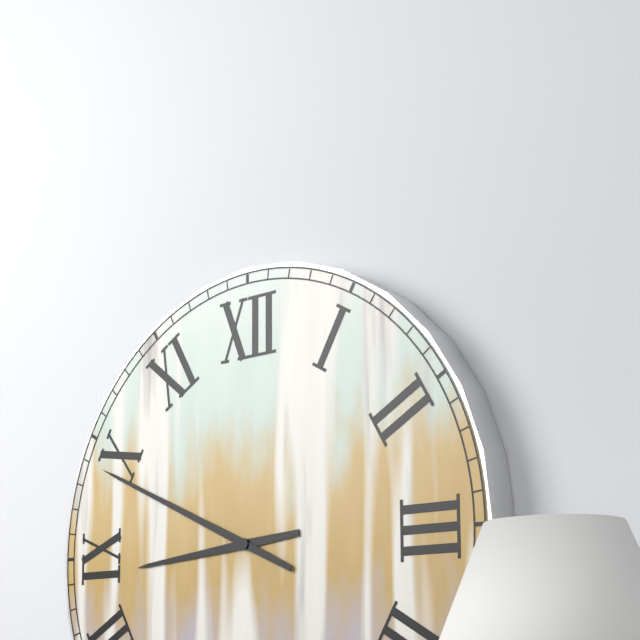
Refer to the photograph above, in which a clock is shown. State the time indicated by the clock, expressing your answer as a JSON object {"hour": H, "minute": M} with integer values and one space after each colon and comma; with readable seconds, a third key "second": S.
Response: {"hour": 8, "minute": 49}
